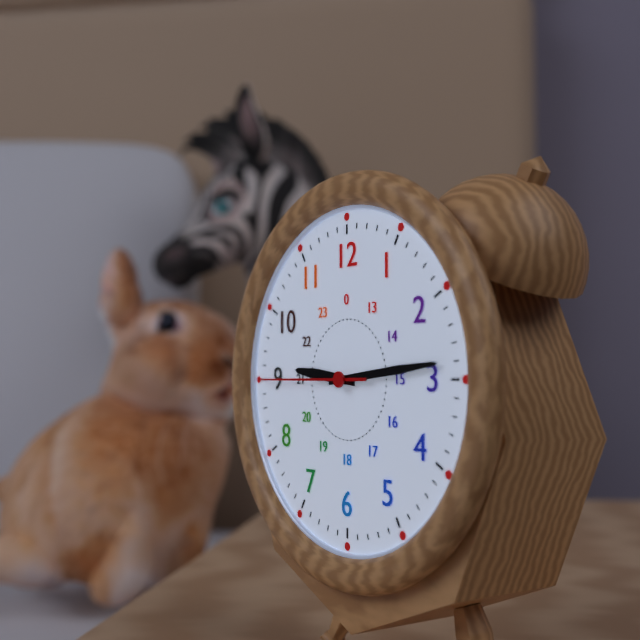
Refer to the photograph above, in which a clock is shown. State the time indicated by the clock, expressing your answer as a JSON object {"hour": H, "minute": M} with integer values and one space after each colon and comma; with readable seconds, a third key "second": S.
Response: {"hour": 9, "minute": 14, "second": 45}
